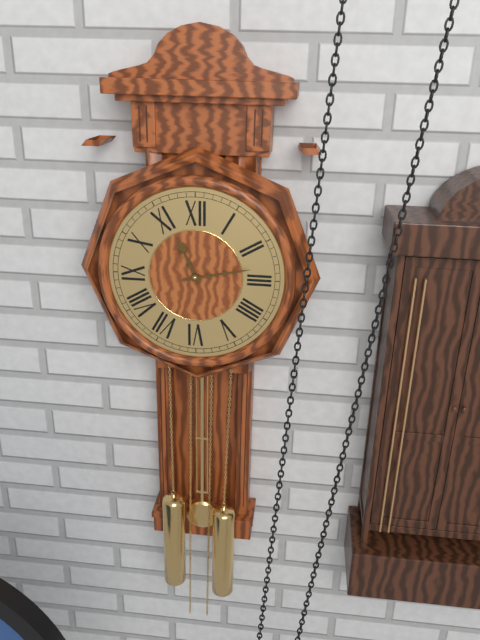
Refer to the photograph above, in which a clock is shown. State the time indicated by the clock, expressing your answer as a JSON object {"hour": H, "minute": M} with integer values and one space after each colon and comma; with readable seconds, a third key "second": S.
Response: {"hour": 11, "minute": 13}
